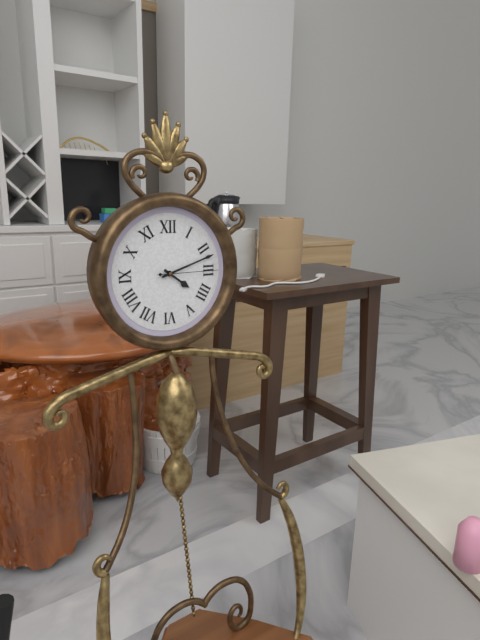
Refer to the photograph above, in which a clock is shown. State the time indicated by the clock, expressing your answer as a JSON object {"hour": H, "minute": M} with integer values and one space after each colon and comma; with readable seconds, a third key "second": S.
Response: {"hour": 4, "minute": 12, "second": 15}
